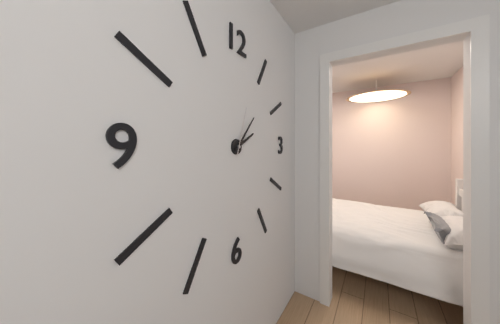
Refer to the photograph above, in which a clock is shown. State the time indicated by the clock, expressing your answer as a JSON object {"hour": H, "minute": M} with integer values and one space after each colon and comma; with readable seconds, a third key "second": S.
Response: {"hour": 2, "minute": 7, "second": 3}
